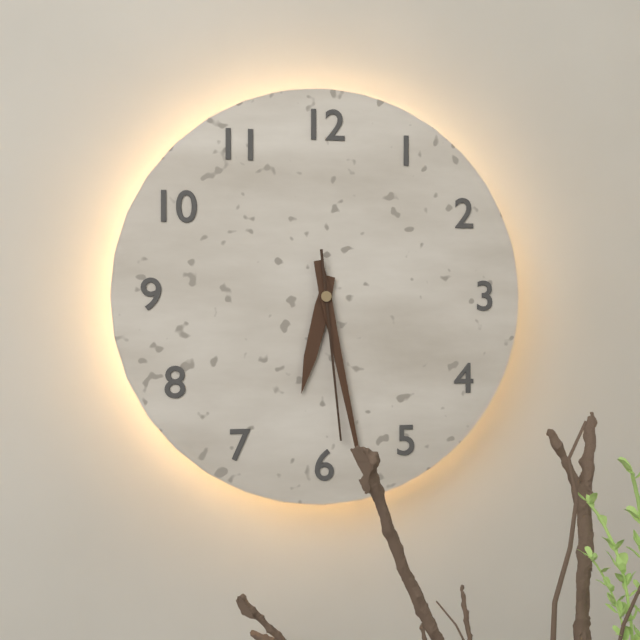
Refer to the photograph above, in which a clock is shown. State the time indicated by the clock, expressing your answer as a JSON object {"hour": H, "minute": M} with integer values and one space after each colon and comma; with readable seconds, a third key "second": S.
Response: {"hour": 6, "minute": 28, "second": 29}
